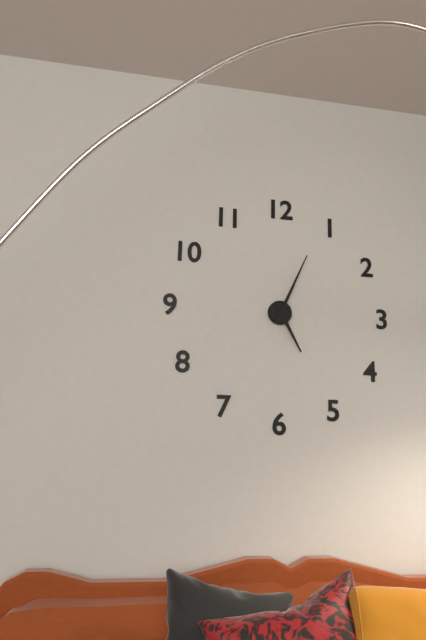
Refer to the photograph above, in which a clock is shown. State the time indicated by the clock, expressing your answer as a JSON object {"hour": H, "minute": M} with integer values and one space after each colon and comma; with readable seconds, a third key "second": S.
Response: {"hour": 5, "minute": 4}
